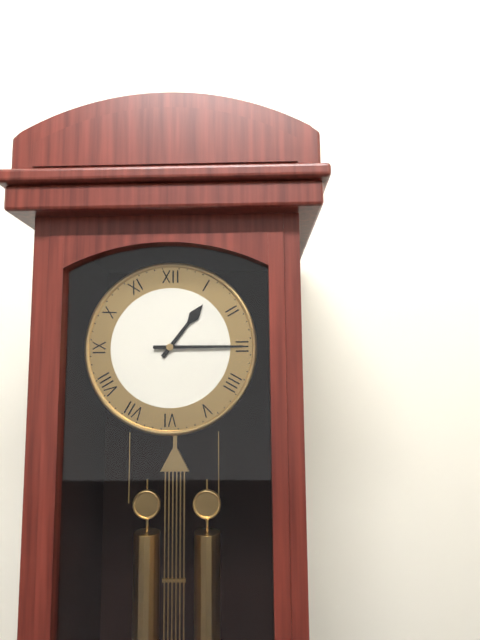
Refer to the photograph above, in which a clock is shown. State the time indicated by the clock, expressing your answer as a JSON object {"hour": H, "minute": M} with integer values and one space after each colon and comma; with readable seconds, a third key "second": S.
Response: {"hour": 1, "minute": 15}
